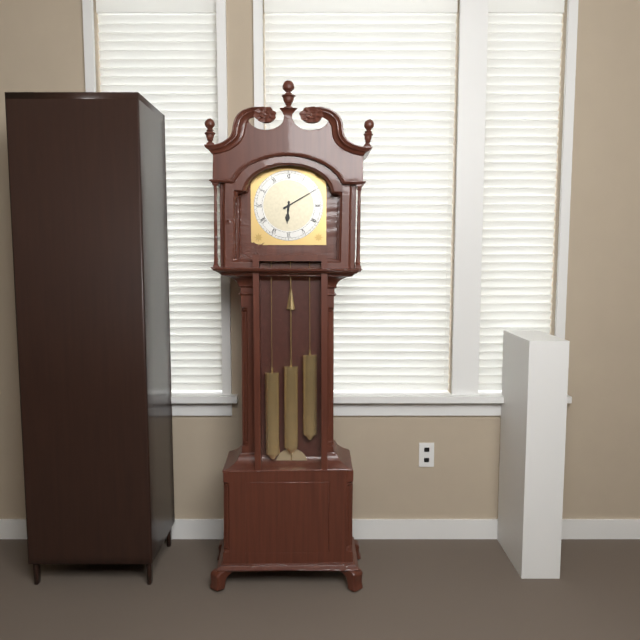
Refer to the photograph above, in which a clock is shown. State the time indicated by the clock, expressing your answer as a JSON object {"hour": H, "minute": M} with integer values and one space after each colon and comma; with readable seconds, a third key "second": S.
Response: {"hour": 6, "minute": 10}
